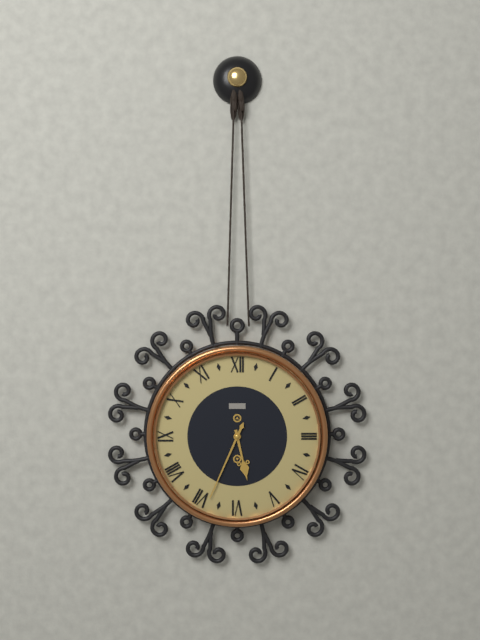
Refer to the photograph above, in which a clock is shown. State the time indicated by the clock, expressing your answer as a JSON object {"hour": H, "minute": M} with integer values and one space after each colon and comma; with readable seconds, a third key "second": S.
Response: {"hour": 5, "minute": 34}
